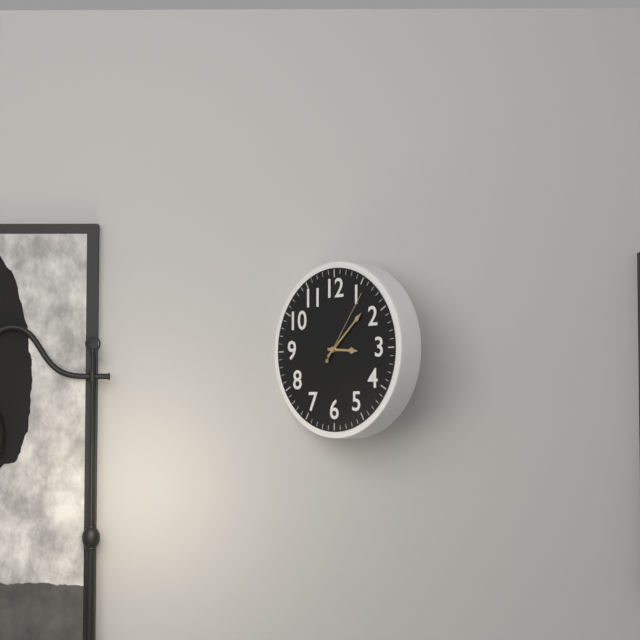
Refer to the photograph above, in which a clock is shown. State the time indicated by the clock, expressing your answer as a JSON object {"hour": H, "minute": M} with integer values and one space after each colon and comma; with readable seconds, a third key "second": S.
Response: {"hour": 3, "minute": 8, "second": 6}
